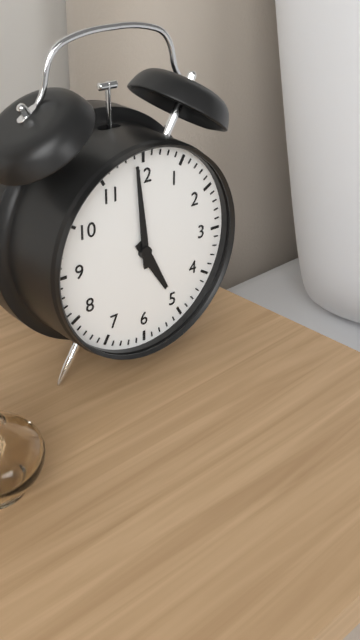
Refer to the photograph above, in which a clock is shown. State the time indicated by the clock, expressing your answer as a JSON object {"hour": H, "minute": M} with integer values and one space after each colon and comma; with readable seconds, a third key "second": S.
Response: {"hour": 4, "minute": 59}
